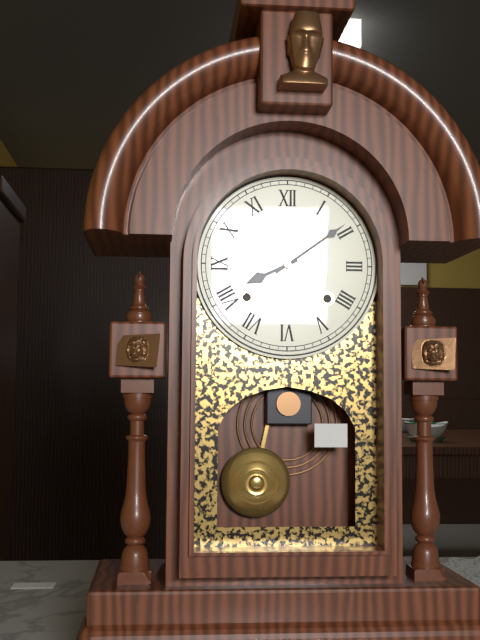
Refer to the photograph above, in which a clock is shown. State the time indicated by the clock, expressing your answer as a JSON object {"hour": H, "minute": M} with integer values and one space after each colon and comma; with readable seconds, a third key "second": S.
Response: {"hour": 8, "minute": 9}
